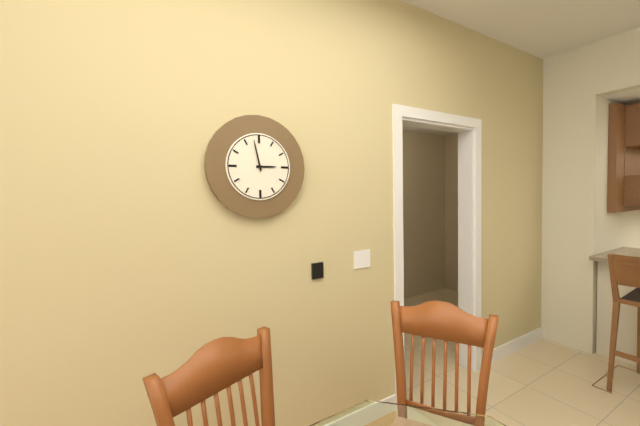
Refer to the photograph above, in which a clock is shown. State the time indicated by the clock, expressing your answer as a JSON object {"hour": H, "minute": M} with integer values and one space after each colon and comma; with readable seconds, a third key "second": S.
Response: {"hour": 2, "minute": 58}
